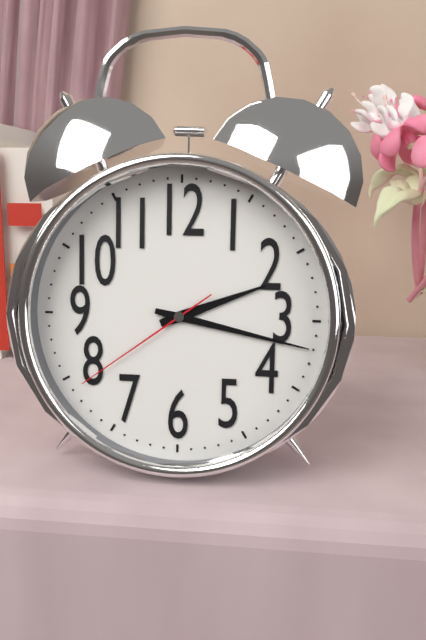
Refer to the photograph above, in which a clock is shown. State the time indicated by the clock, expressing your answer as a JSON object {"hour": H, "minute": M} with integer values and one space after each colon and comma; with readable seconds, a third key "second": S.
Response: {"hour": 2, "minute": 17, "second": 39}
